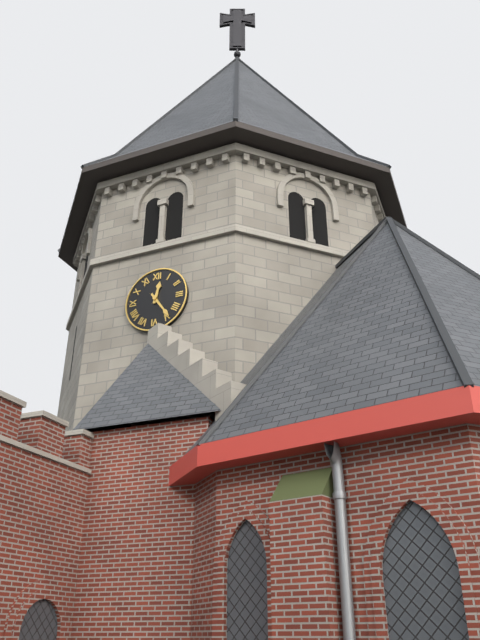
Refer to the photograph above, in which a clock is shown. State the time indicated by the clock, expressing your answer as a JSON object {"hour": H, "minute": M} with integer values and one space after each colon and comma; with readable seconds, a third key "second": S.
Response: {"hour": 12, "minute": 24}
